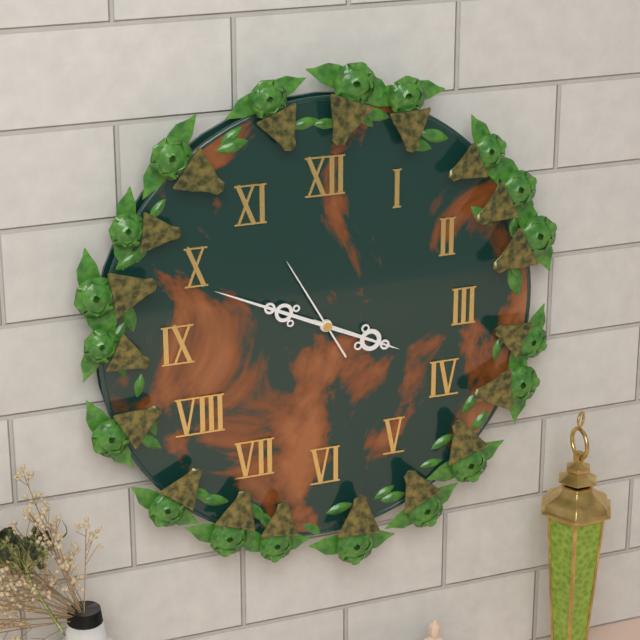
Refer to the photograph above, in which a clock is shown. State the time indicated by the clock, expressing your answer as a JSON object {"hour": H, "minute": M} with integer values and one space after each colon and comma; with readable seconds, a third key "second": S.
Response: {"hour": 3, "minute": 49, "second": 55}
